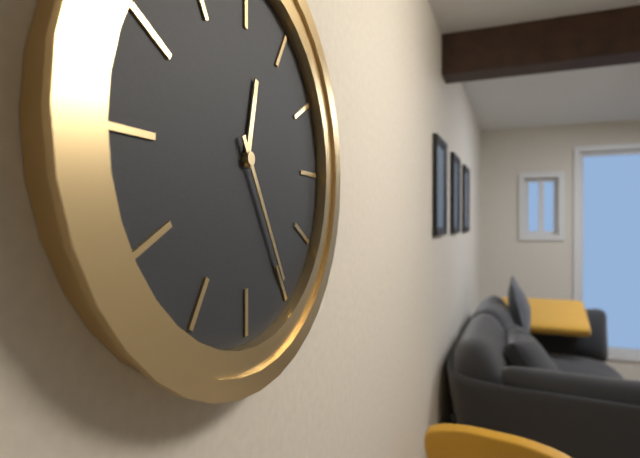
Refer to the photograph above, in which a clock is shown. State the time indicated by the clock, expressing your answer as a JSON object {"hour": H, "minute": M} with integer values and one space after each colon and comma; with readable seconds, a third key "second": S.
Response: {"hour": 12, "minute": 25}
